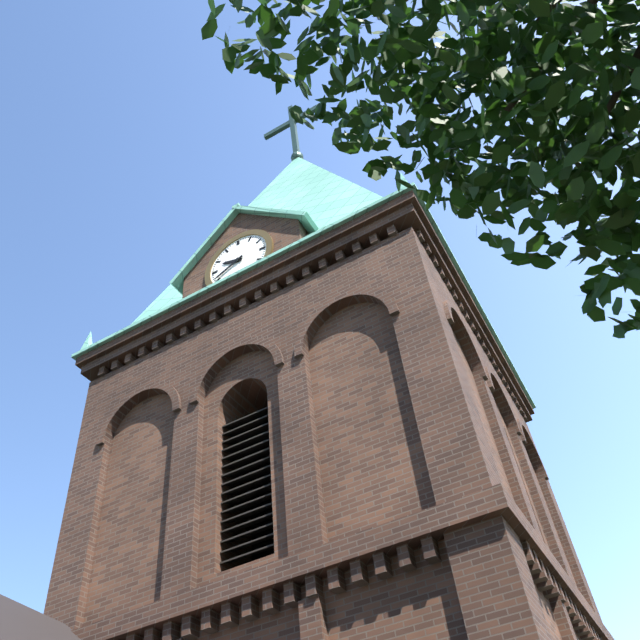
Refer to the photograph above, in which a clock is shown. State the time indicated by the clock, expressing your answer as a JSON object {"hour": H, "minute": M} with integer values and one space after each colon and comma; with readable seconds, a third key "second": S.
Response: {"hour": 9, "minute": 41}
